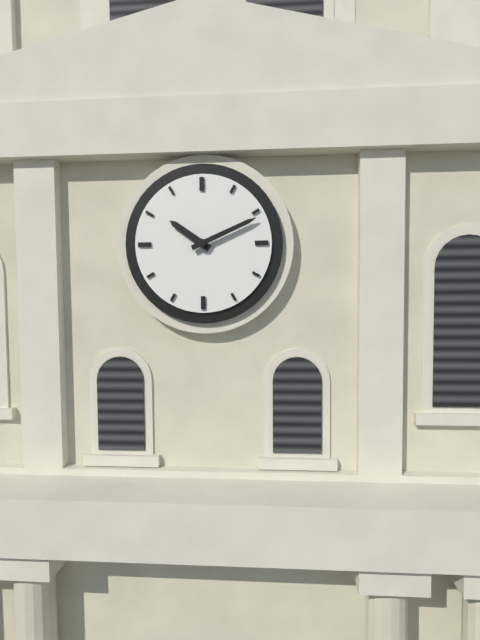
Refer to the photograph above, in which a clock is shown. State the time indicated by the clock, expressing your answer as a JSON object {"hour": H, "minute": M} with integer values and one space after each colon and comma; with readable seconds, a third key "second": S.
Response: {"hour": 10, "minute": 11}
